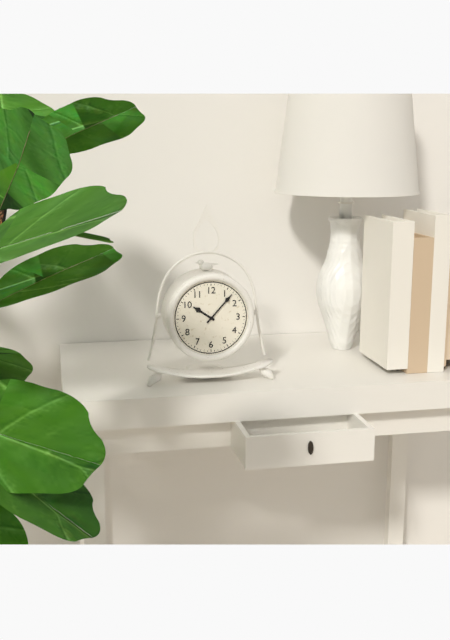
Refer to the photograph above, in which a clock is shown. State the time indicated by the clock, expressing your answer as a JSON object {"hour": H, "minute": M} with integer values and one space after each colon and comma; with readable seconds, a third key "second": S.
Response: {"hour": 10, "minute": 7}
